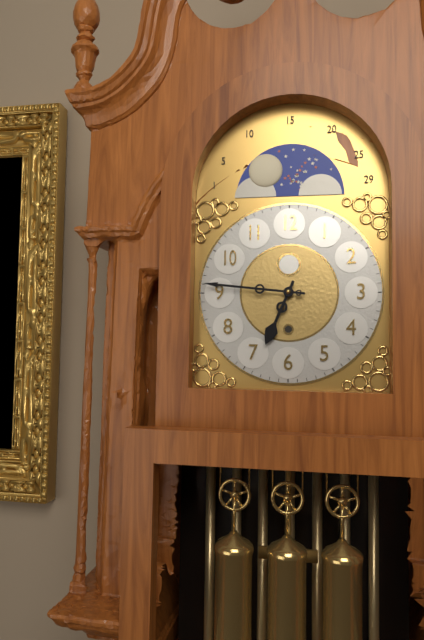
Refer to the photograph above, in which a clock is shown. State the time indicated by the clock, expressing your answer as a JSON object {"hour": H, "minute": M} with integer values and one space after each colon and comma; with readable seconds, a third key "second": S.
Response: {"hour": 6, "minute": 46}
